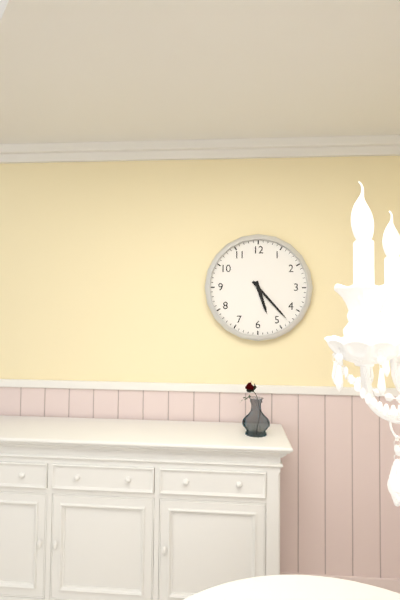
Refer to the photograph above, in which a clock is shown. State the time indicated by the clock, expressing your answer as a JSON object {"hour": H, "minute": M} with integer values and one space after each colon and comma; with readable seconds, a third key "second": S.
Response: {"hour": 5, "minute": 23}
